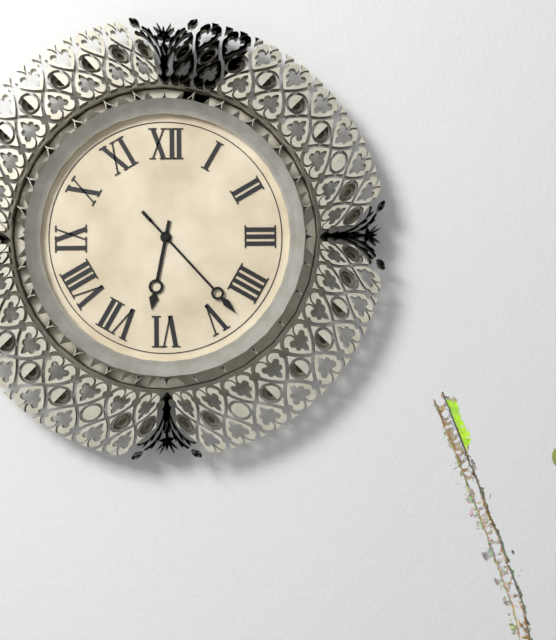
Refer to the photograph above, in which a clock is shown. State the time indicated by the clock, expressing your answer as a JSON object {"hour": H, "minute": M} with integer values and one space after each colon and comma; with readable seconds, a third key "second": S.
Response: {"hour": 6, "minute": 23}
